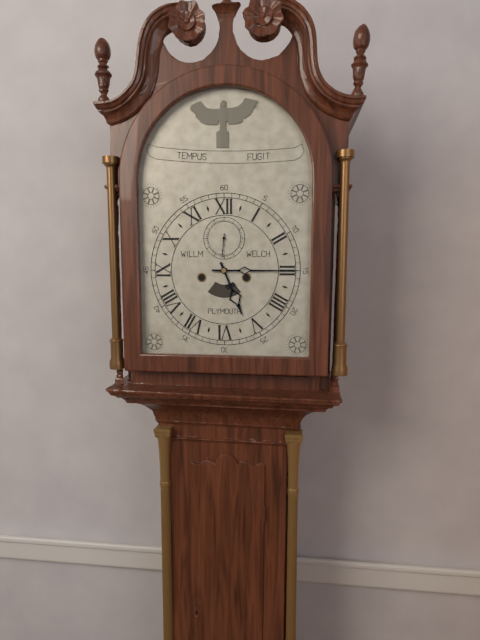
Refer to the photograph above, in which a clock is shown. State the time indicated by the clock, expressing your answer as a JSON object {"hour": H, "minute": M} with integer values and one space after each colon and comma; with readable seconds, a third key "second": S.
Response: {"hour": 5, "minute": 15}
